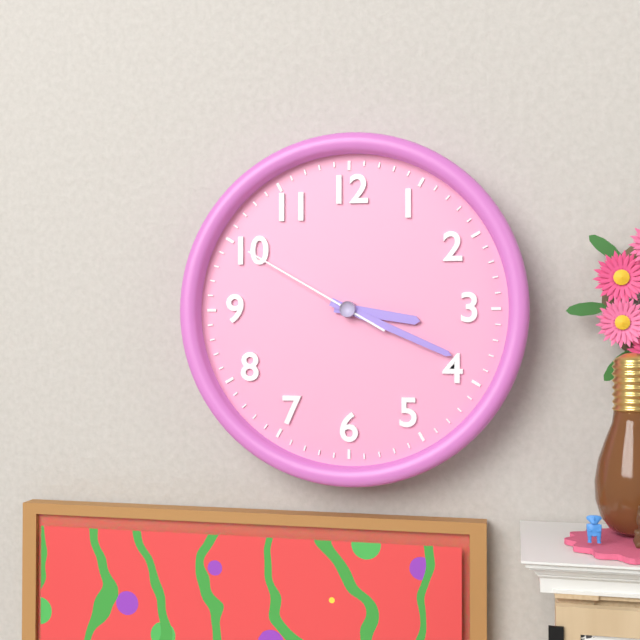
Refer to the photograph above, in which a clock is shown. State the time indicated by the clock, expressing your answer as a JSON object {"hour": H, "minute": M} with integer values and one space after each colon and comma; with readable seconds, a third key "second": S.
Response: {"hour": 3, "minute": 19, "second": 50}
